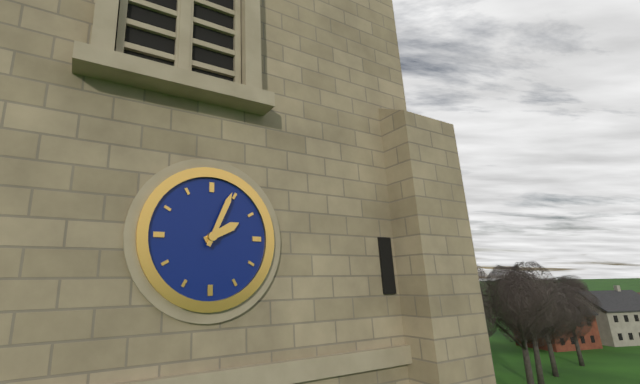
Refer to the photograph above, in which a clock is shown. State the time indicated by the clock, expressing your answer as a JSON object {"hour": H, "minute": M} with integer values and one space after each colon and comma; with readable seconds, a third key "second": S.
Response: {"hour": 2, "minute": 4}
